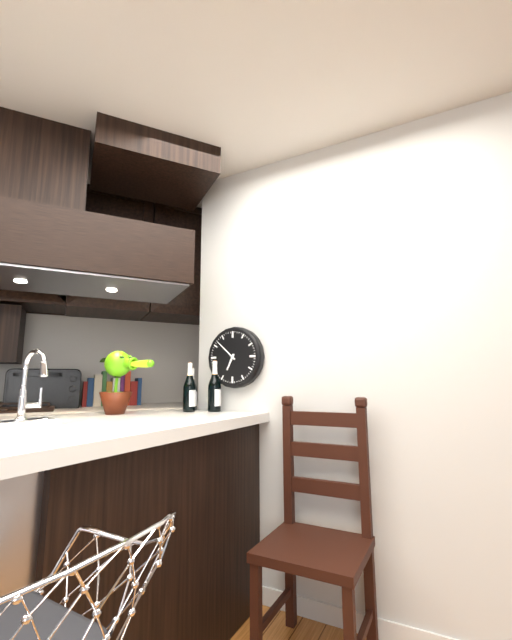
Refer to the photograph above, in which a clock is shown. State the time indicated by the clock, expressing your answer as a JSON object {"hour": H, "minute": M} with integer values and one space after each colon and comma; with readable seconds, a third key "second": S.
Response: {"hour": 6, "minute": 52}
